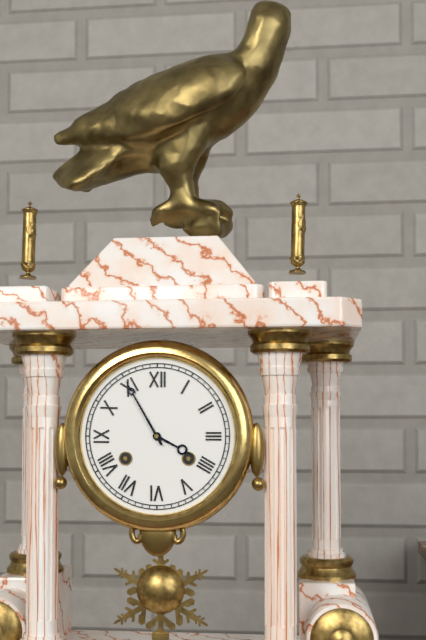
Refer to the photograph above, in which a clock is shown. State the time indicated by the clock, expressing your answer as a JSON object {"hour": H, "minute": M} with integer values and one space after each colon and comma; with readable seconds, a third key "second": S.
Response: {"hour": 3, "minute": 55}
